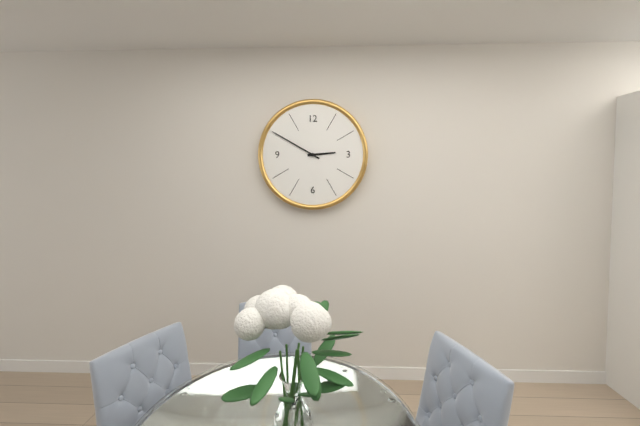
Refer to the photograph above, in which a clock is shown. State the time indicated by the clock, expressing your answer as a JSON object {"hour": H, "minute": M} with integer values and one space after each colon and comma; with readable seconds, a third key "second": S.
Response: {"hour": 2, "minute": 50}
